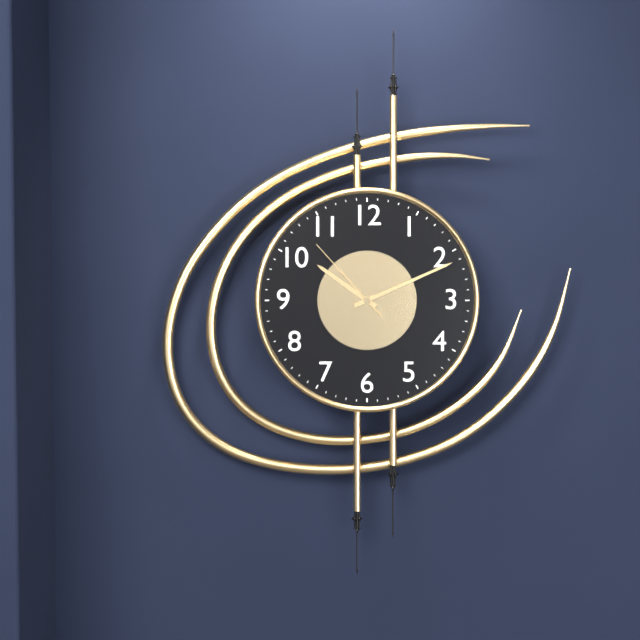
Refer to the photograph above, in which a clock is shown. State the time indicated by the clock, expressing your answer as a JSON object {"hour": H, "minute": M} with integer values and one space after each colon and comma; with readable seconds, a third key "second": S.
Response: {"hour": 10, "minute": 11, "second": 53}
